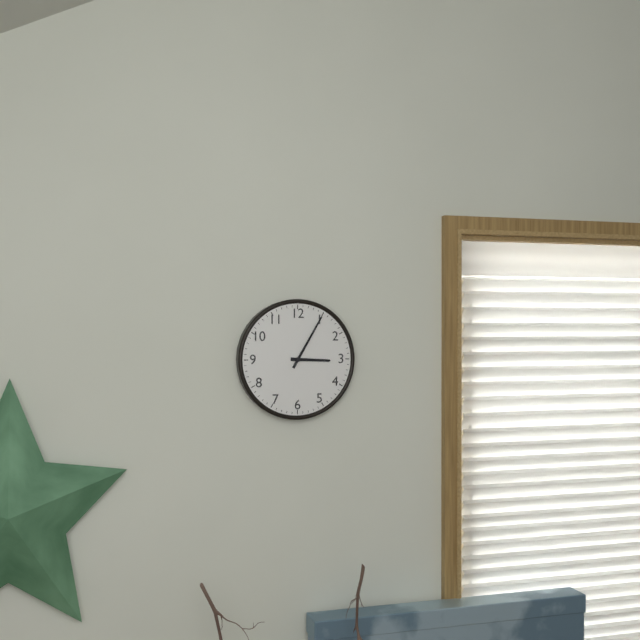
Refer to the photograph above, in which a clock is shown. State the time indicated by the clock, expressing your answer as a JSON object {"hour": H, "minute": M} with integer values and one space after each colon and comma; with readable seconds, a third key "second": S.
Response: {"hour": 3, "minute": 5}
